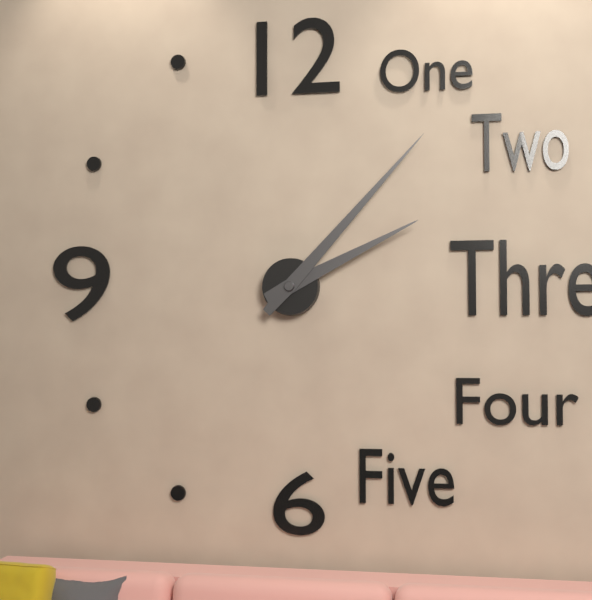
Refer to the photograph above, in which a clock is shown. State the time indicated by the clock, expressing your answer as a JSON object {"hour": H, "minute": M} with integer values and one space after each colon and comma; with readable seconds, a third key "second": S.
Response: {"hour": 2, "minute": 7}
